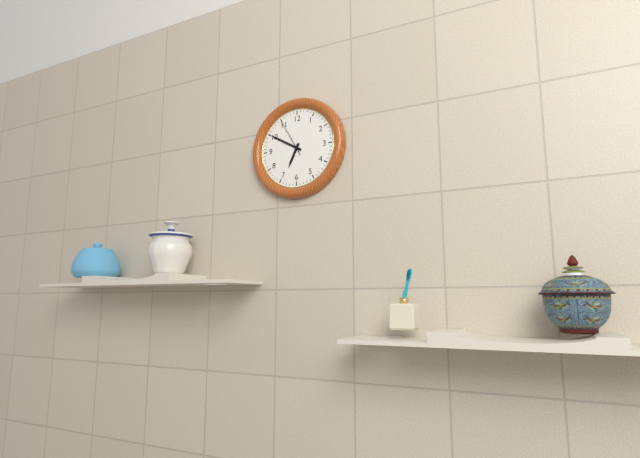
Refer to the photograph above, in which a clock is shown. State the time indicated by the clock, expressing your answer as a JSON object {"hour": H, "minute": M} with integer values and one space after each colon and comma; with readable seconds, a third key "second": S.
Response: {"hour": 6, "minute": 50}
